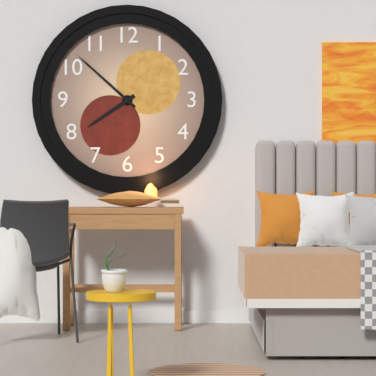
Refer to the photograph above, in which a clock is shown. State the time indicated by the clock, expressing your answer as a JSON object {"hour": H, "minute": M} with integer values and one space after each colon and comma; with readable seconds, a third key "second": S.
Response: {"hour": 7, "minute": 52}
